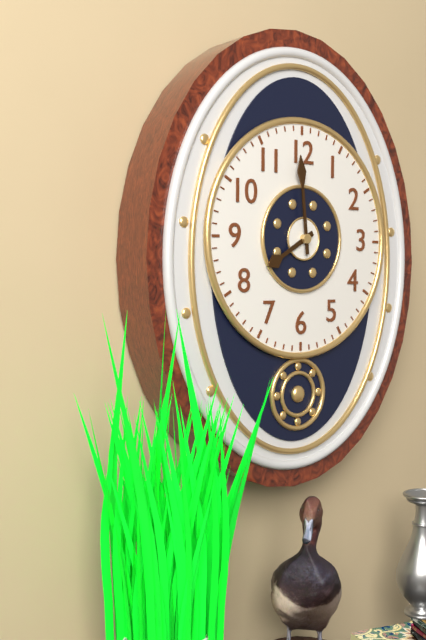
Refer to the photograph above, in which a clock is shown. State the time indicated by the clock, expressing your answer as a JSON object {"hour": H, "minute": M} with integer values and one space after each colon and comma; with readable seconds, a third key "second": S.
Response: {"hour": 7, "minute": 59}
